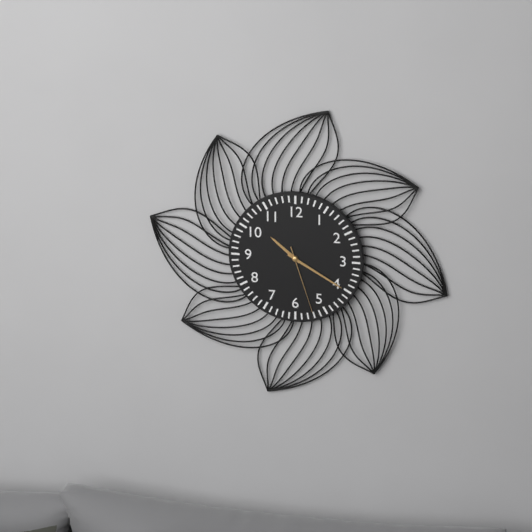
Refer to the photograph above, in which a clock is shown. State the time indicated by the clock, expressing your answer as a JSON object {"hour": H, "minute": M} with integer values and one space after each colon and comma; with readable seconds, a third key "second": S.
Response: {"hour": 10, "minute": 20, "second": 27}
